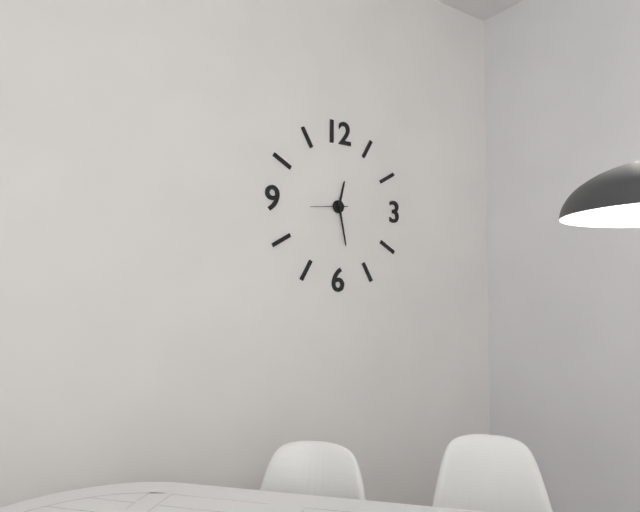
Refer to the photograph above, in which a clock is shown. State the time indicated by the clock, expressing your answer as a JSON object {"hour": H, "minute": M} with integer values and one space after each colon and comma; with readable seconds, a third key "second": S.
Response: {"hour": 12, "minute": 28}
